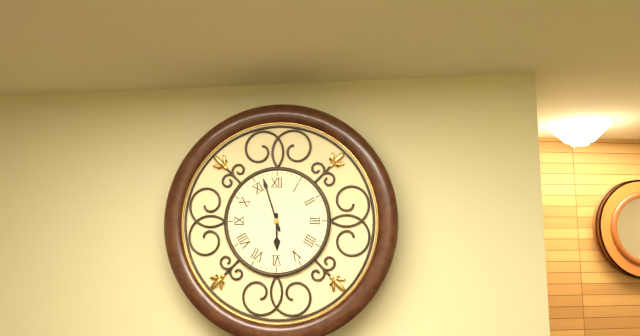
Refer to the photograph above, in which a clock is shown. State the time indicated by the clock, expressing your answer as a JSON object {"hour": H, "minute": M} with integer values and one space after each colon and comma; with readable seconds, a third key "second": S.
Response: {"hour": 5, "minute": 57}
